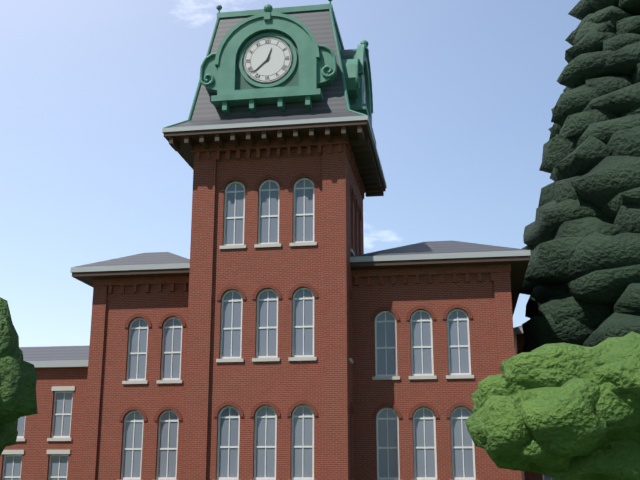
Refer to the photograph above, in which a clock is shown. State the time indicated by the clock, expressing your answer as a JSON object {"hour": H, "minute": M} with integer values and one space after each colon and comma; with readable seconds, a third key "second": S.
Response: {"hour": 12, "minute": 38}
